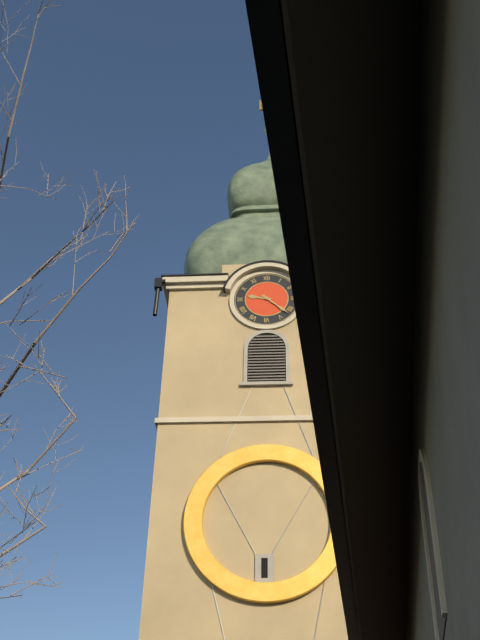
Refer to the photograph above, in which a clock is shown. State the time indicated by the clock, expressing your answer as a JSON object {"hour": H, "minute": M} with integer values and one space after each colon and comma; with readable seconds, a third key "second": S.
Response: {"hour": 9, "minute": 22}
